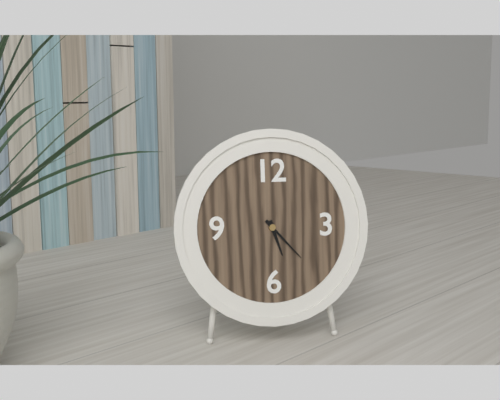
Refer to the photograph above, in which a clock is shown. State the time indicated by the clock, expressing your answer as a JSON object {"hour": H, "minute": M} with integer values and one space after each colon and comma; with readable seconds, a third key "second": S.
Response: {"hour": 5, "minute": 23}
